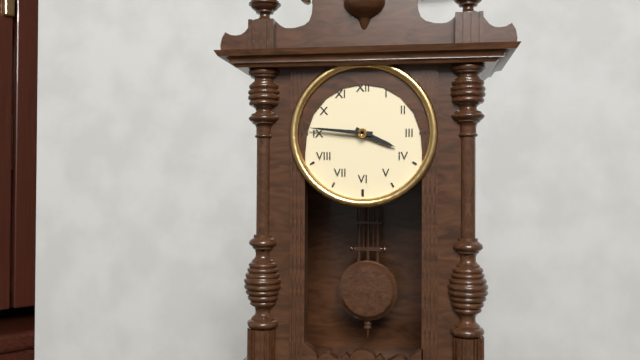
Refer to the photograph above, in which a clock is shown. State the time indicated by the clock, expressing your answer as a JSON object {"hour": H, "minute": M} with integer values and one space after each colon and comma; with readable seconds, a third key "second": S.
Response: {"hour": 3, "minute": 46}
